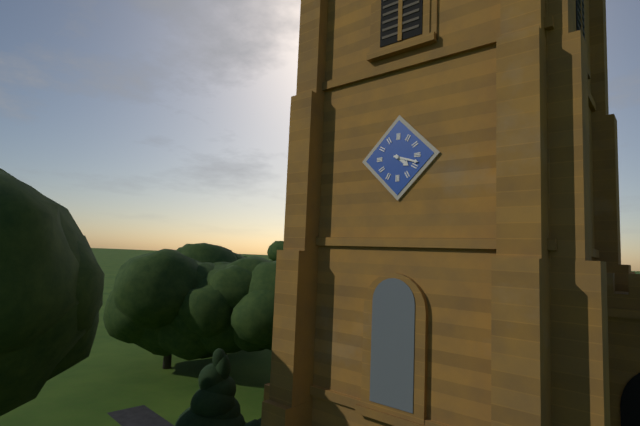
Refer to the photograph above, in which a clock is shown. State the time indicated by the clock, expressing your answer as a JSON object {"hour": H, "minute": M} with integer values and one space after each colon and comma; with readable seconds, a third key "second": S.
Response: {"hour": 4, "minute": 18}
